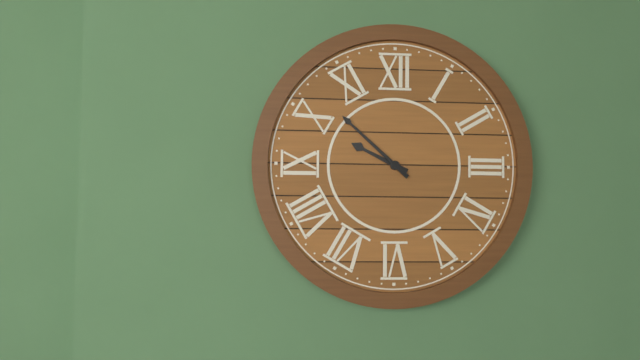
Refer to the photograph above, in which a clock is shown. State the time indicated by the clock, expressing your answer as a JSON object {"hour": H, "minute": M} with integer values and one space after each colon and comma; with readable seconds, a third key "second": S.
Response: {"hour": 9, "minute": 52}
